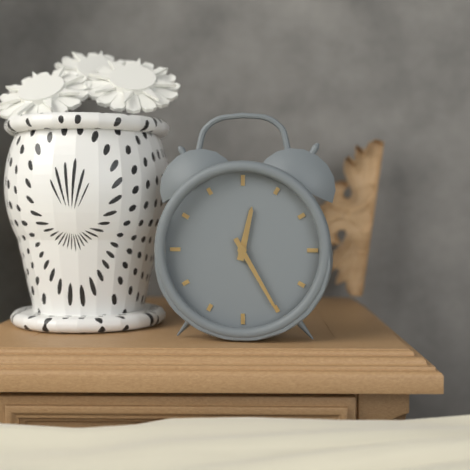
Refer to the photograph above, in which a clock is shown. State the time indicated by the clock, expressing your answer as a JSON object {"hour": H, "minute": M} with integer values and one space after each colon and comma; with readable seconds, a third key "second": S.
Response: {"hour": 12, "minute": 25}
